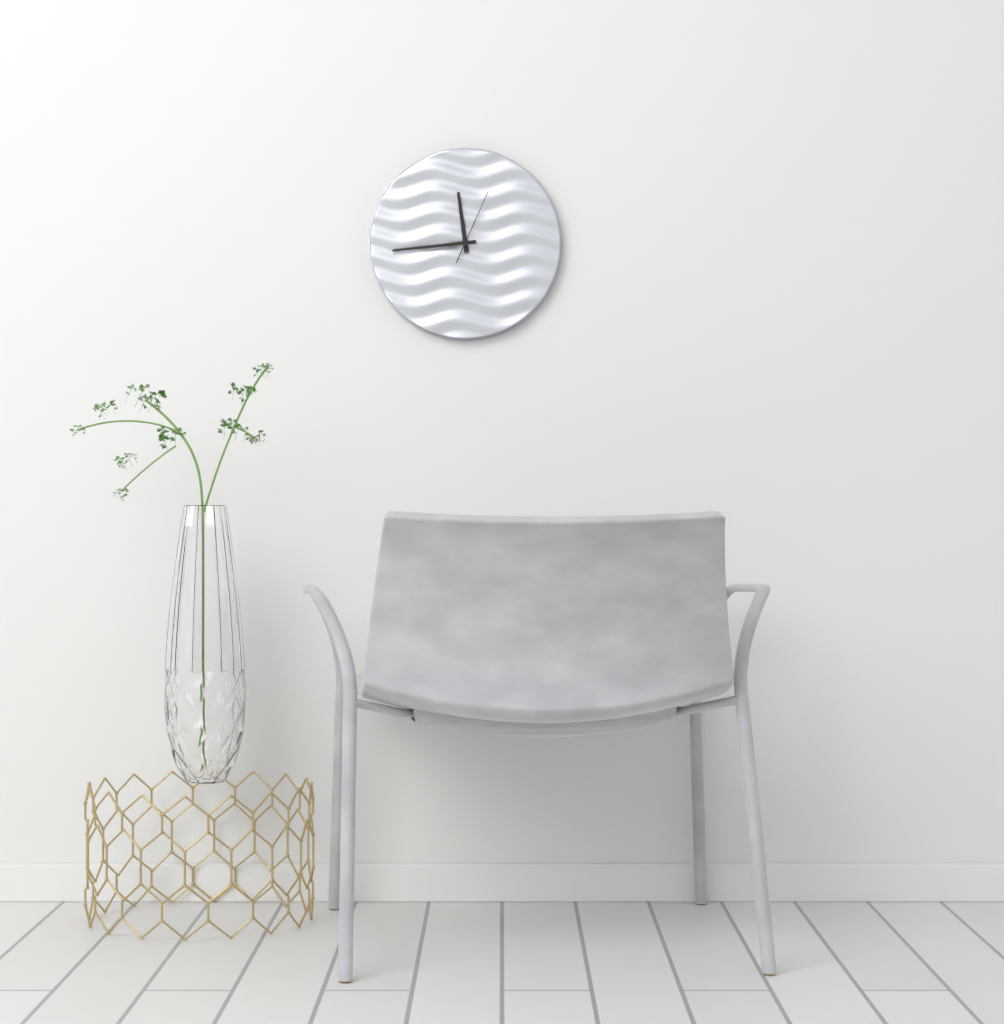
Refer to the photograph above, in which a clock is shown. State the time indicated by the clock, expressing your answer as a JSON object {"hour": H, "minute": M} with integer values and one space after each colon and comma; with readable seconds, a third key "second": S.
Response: {"hour": 11, "minute": 44, "second": 4}
